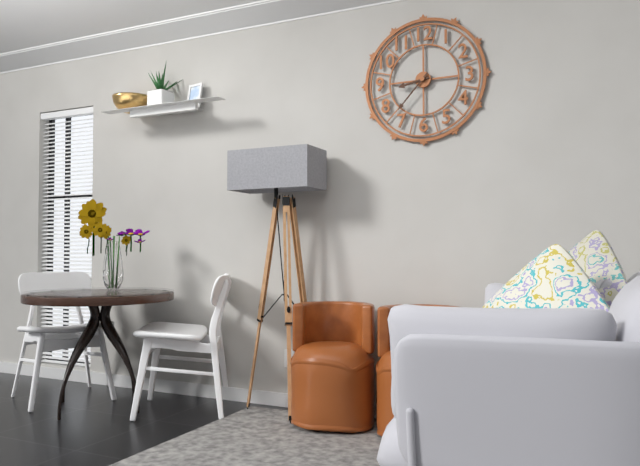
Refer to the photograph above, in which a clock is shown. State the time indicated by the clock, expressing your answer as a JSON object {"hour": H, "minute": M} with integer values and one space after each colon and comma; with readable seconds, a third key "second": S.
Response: {"hour": 8, "minute": 37}
